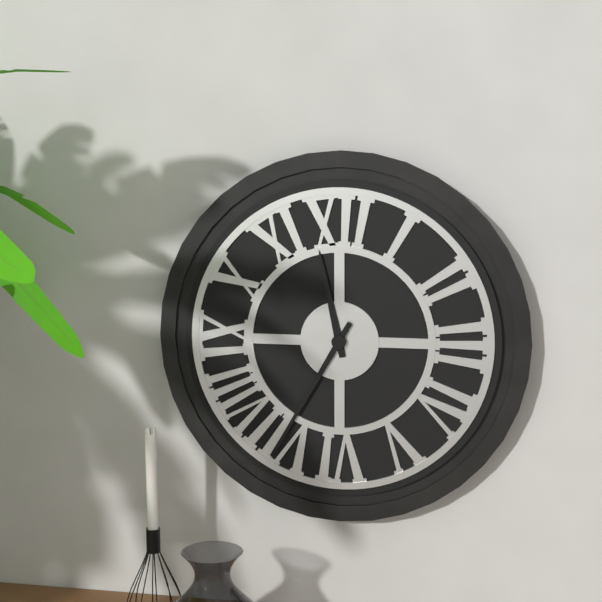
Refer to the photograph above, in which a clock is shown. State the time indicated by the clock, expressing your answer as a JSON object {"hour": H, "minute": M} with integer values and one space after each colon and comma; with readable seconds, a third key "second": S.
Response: {"hour": 11, "minute": 35}
